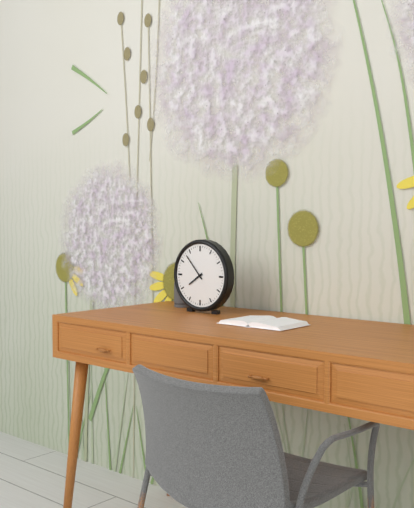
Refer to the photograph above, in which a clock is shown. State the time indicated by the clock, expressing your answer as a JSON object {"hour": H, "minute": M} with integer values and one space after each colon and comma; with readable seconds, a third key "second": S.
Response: {"hour": 7, "minute": 53}
